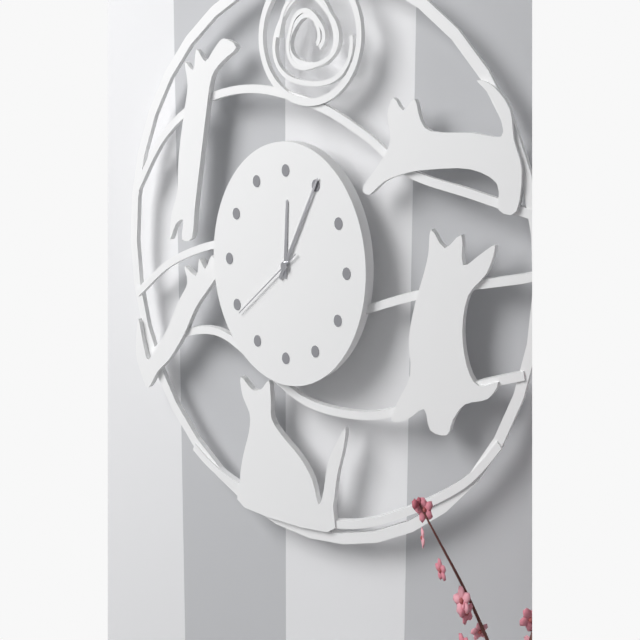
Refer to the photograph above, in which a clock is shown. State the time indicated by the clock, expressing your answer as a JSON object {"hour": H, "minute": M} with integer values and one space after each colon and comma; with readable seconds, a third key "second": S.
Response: {"hour": 12, "minute": 5, "second": 39}
